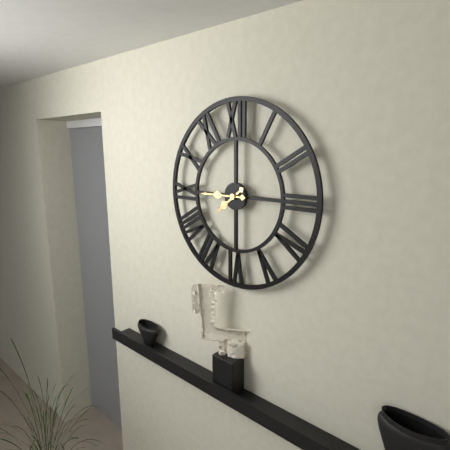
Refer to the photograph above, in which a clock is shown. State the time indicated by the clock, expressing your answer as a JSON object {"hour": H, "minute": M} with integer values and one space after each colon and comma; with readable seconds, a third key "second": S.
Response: {"hour": 7, "minute": 45}
